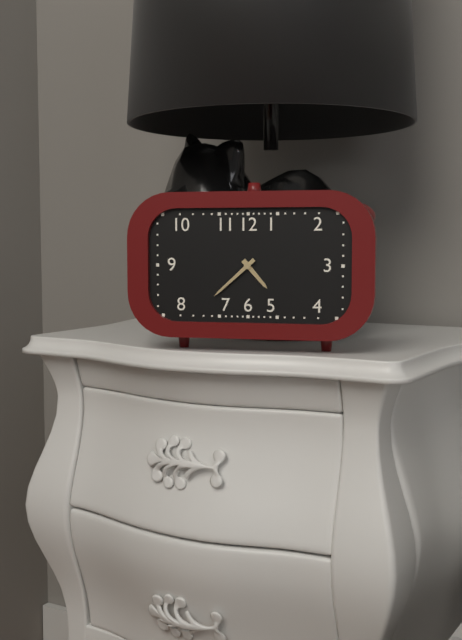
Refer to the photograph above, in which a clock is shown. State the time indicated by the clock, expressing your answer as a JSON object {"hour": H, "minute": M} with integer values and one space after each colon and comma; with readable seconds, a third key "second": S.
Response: {"hour": 4, "minute": 38}
